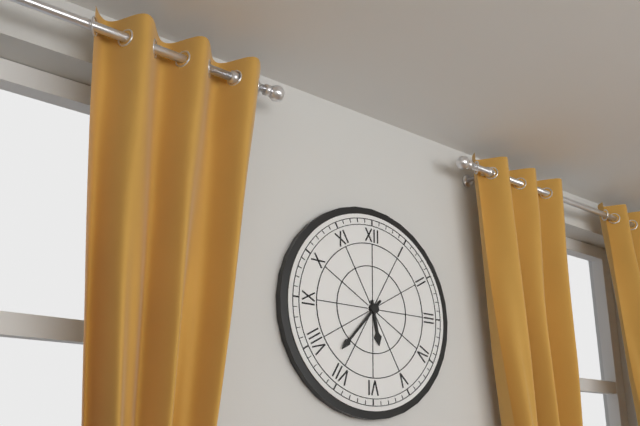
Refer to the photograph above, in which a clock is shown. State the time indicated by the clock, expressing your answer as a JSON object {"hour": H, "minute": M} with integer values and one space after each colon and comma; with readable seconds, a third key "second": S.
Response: {"hour": 5, "minute": 37}
